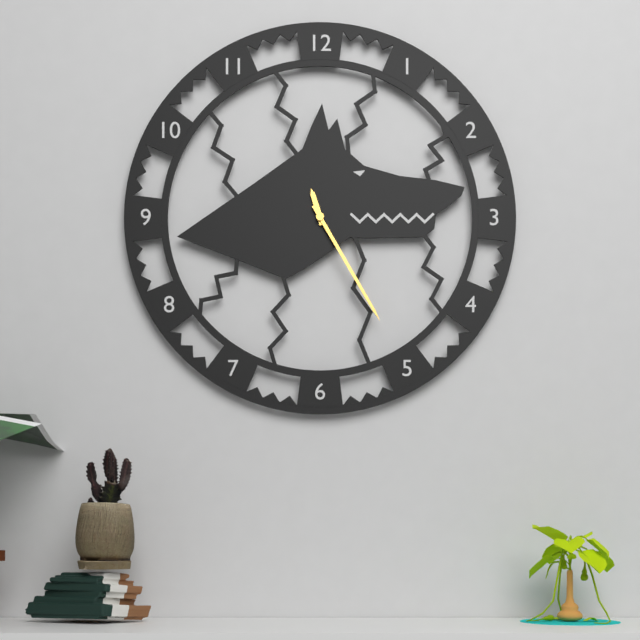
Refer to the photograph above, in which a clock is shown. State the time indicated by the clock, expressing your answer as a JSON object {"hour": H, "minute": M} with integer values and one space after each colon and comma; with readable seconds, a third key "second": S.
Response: {"hour": 11, "minute": 25}
